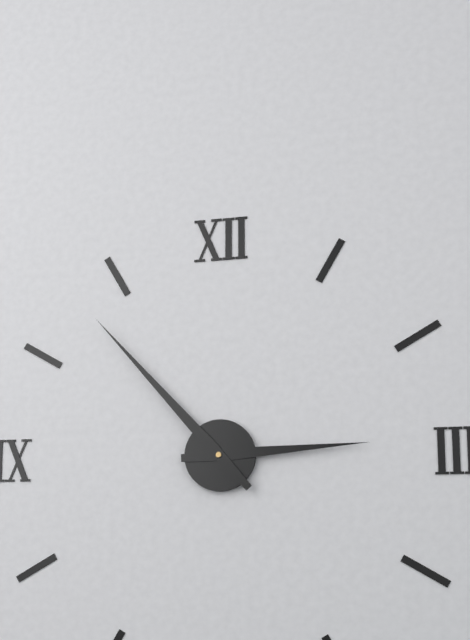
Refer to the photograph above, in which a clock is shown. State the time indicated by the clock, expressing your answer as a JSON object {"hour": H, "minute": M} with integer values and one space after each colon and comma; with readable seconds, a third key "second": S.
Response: {"hour": 2, "minute": 53}
